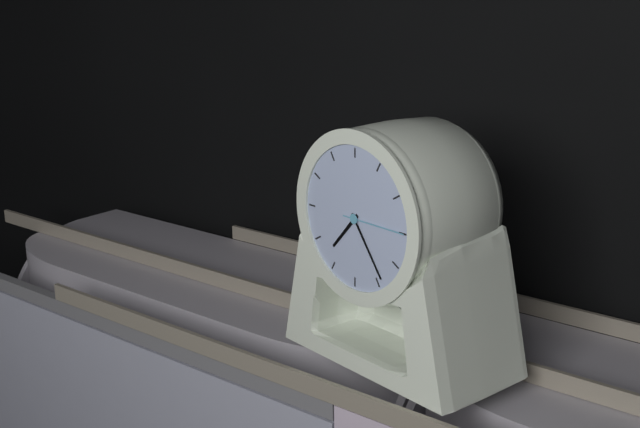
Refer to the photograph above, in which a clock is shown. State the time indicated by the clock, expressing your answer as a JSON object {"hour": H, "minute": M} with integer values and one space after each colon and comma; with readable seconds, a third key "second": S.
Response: {"hour": 7, "minute": 24, "second": 15}
